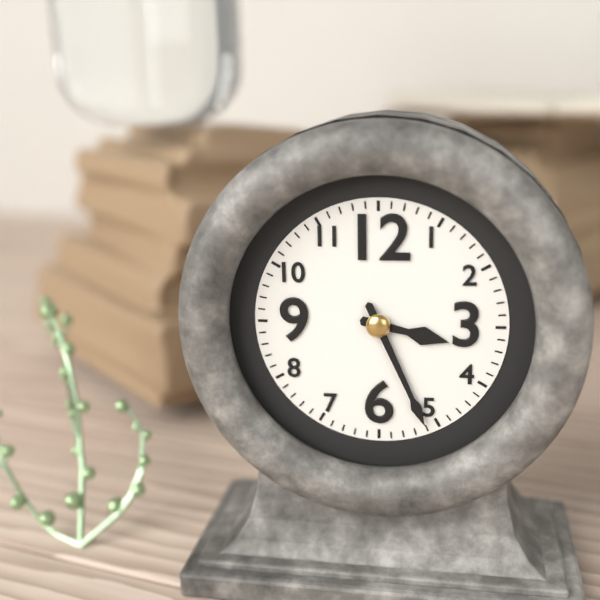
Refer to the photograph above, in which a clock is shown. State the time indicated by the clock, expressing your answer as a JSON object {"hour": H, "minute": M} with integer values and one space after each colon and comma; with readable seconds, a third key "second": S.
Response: {"hour": 3, "minute": 26}
